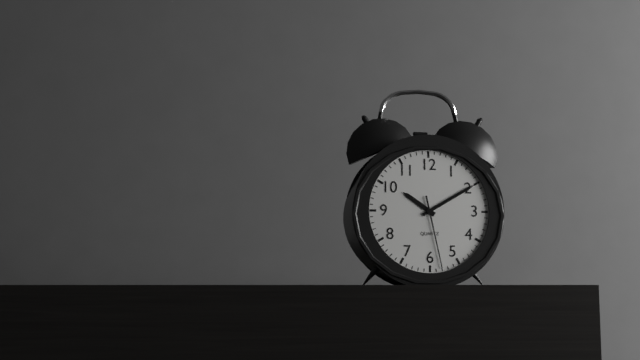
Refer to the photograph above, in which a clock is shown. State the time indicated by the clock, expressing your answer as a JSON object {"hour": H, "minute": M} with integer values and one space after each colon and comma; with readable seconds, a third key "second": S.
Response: {"hour": 10, "minute": 10, "second": 28}
